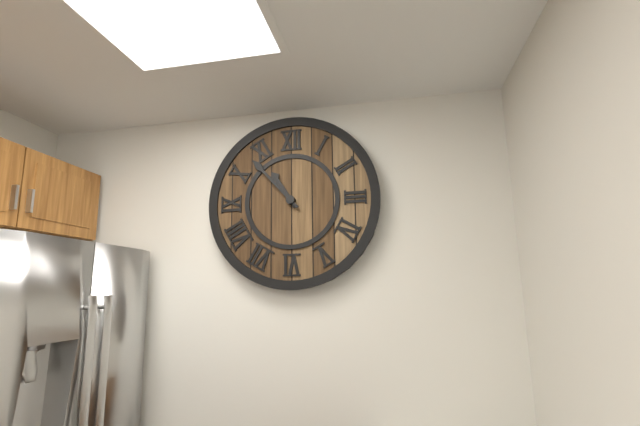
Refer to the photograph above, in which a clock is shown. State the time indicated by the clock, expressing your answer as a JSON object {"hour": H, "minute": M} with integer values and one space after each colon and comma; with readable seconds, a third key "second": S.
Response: {"hour": 10, "minute": 53}
